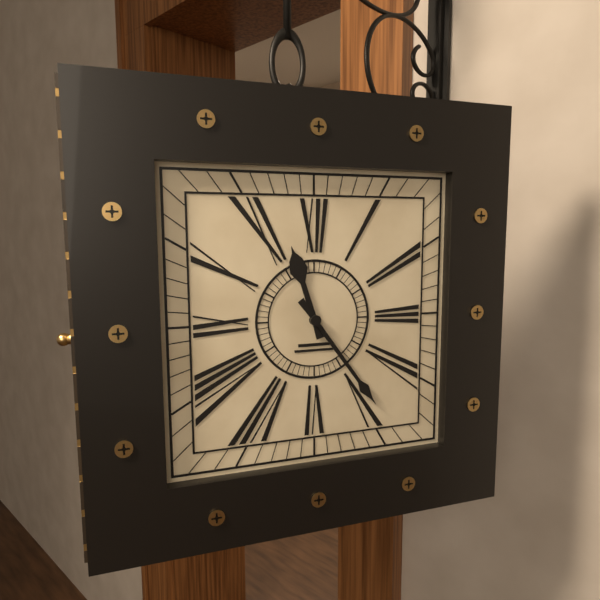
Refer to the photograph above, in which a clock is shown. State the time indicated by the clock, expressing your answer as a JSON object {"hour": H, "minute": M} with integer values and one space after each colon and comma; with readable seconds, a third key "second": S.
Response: {"hour": 11, "minute": 24}
